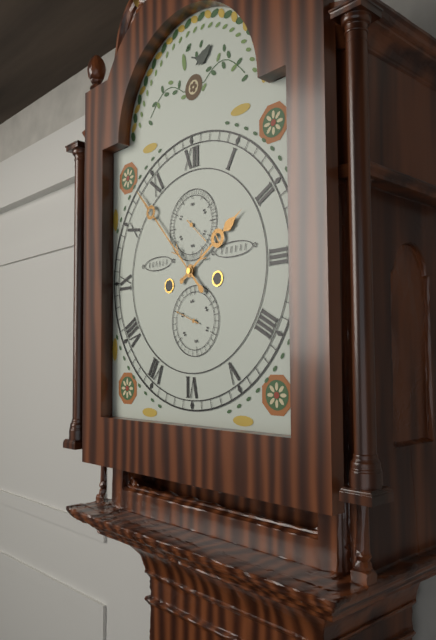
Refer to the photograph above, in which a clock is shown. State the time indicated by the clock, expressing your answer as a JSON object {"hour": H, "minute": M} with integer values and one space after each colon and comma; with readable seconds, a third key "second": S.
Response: {"hour": 1, "minute": 53}
